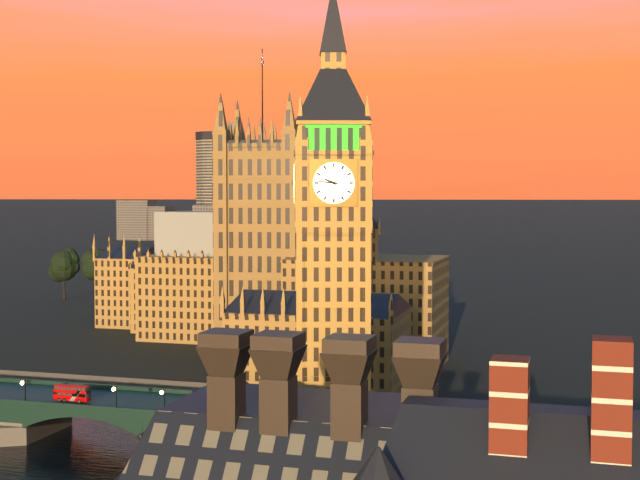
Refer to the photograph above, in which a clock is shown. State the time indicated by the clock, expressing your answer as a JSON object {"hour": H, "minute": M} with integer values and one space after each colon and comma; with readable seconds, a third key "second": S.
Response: {"hour": 9, "minute": 46}
